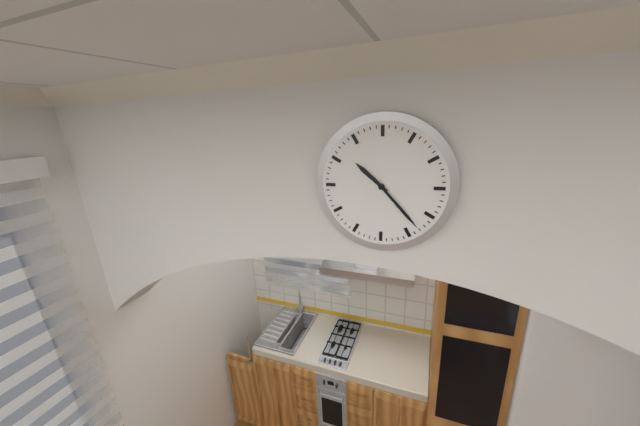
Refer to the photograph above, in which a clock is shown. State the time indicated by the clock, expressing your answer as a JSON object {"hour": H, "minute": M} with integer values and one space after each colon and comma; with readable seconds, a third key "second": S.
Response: {"hour": 10, "minute": 23}
